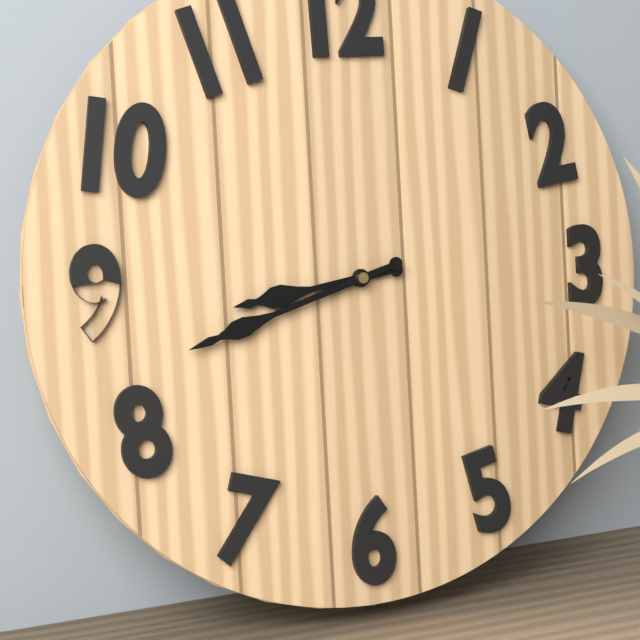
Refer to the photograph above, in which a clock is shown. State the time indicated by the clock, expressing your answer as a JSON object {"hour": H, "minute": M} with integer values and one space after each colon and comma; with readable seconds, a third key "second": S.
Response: {"hour": 8, "minute": 42}
